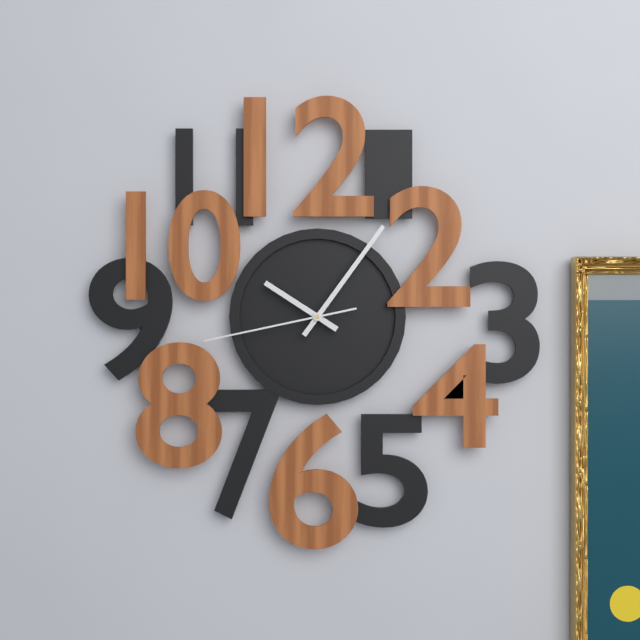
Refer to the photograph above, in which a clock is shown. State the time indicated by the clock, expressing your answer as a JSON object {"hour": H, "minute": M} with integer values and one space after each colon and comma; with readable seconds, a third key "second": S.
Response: {"hour": 10, "minute": 6, "second": 43}
